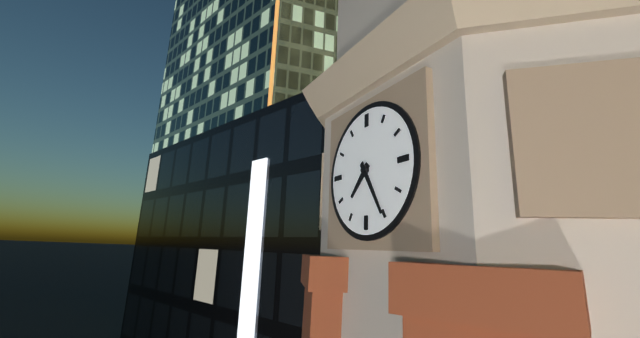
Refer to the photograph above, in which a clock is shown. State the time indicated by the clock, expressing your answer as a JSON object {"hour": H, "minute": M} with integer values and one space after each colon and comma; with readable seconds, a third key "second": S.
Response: {"hour": 7, "minute": 25}
